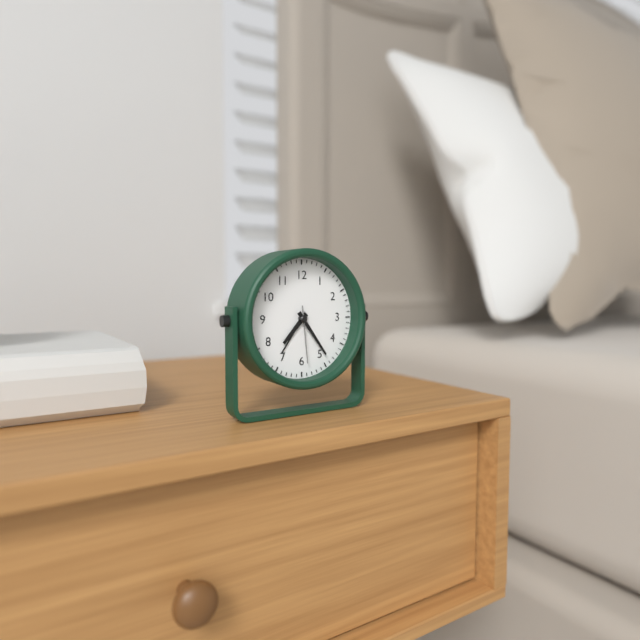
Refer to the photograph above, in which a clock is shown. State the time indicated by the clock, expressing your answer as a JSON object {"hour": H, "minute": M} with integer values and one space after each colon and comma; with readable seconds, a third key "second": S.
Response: {"hour": 7, "minute": 24, "second": 29}
